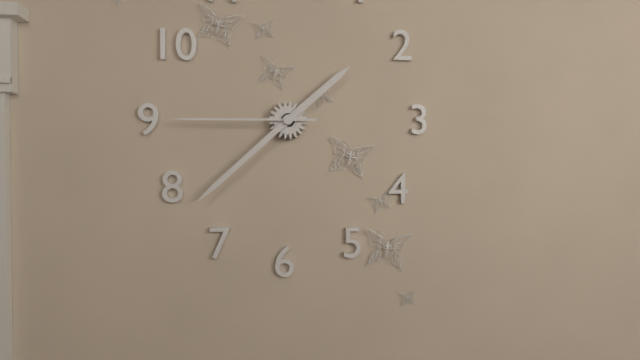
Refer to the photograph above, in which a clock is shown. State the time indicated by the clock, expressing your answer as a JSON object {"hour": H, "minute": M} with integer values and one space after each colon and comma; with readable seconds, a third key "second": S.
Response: {"hour": 1, "minute": 38, "second": 45}
